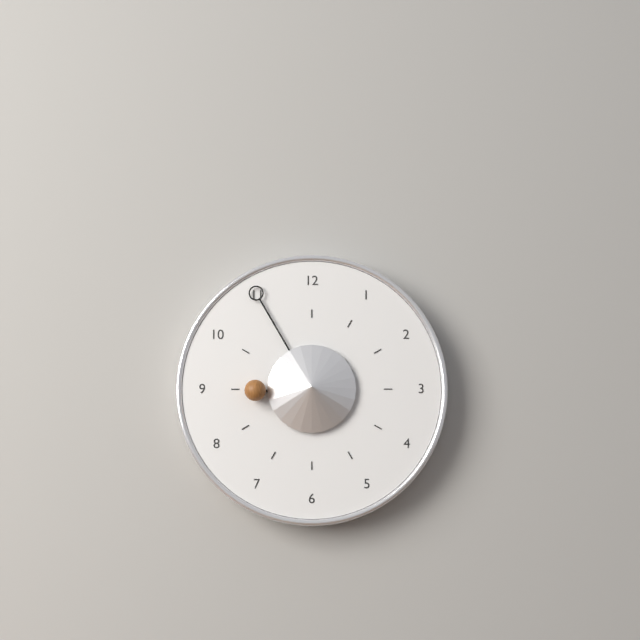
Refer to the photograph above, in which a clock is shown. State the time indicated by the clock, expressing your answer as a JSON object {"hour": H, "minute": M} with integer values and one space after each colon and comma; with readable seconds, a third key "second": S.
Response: {"hour": 8, "minute": 55}
